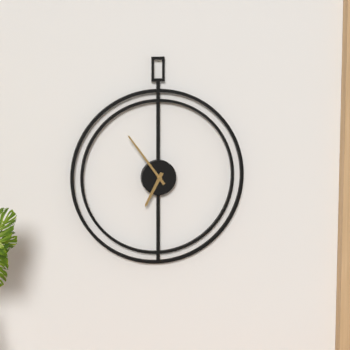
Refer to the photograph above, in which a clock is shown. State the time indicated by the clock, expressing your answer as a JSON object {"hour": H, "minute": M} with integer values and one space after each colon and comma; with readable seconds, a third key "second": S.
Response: {"hour": 6, "minute": 54}
